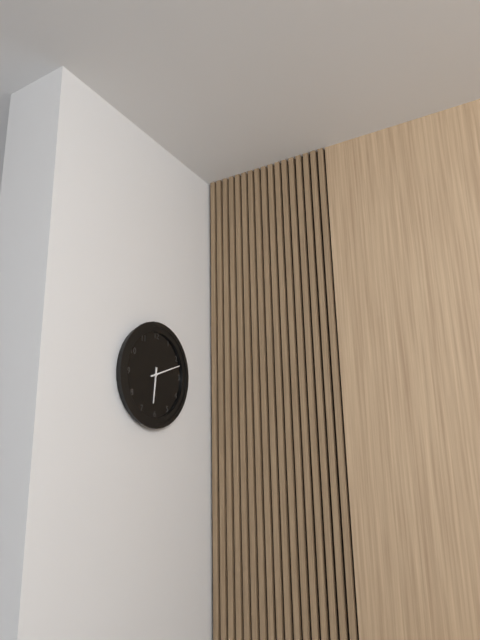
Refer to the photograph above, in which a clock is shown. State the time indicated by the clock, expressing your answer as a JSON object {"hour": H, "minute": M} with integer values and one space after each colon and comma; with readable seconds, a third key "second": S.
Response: {"hour": 6, "minute": 12}
